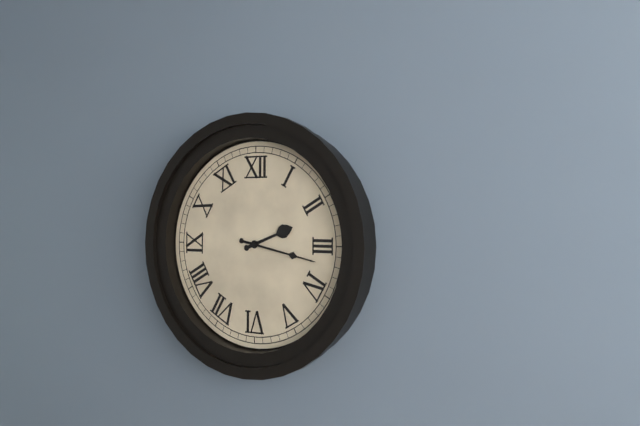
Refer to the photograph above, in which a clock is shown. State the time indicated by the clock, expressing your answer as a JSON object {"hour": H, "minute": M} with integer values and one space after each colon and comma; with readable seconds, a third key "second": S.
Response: {"hour": 2, "minute": 17}
